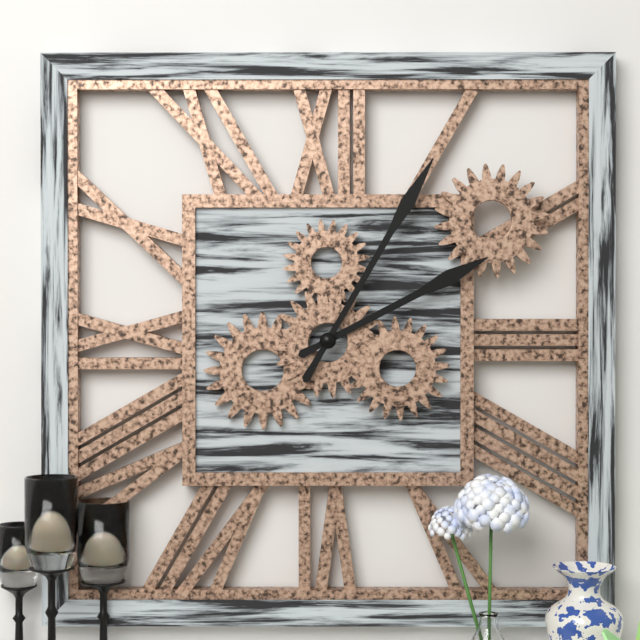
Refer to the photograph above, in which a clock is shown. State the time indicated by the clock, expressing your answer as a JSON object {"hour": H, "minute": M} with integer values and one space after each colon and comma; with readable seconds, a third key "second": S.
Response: {"hour": 2, "minute": 5}
